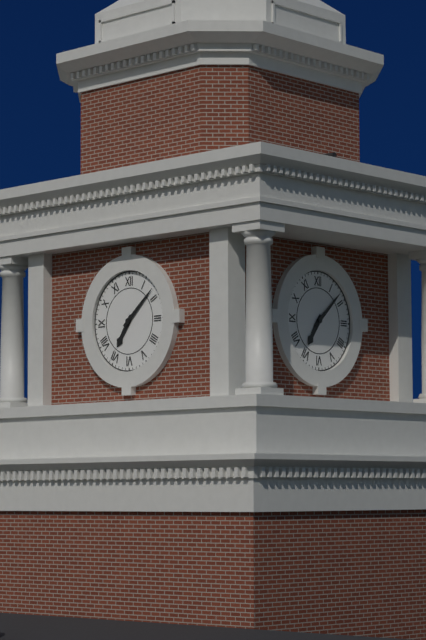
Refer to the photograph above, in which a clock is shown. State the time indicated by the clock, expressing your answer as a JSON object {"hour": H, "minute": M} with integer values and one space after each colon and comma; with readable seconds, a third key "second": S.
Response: {"hour": 7, "minute": 8}
